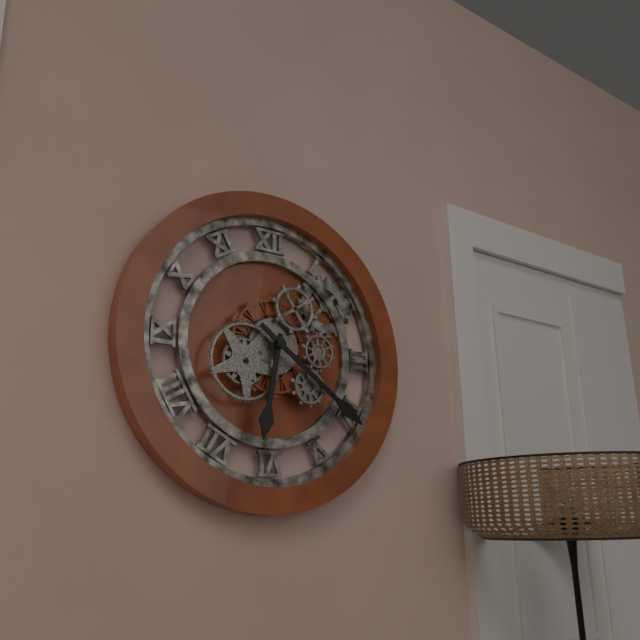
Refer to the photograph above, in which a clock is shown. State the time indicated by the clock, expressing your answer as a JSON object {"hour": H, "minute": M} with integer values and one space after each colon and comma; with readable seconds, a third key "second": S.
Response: {"hour": 6, "minute": 21}
